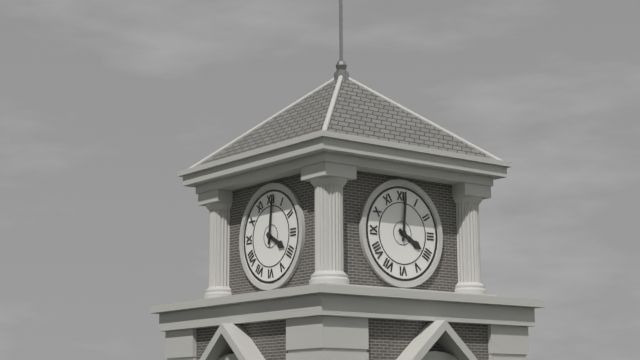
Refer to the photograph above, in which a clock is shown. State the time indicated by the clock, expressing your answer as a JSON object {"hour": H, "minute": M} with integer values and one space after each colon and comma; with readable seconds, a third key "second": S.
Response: {"hour": 4, "minute": 1}
